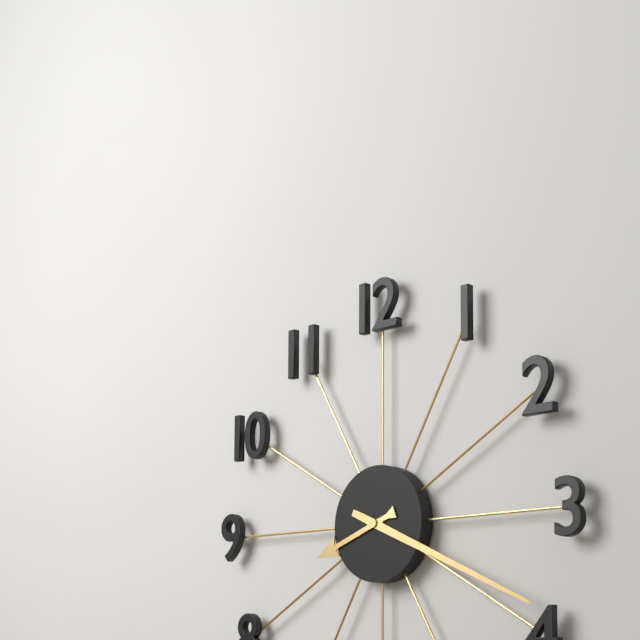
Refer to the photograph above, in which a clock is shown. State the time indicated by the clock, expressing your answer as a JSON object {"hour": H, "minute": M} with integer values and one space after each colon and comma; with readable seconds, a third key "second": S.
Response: {"hour": 8, "minute": 19}
